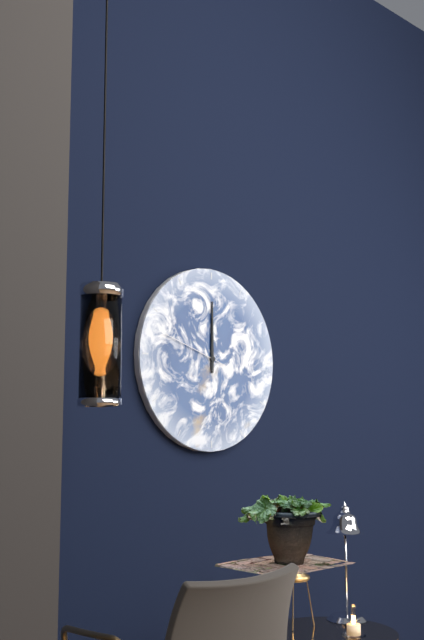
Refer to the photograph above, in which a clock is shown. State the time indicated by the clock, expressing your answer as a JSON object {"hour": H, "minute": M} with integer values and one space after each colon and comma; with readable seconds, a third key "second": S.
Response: {"hour": 12, "minute": 0, "second": 48}
